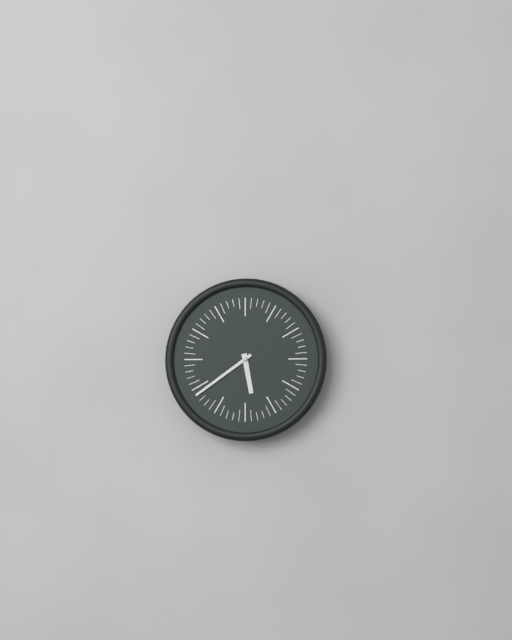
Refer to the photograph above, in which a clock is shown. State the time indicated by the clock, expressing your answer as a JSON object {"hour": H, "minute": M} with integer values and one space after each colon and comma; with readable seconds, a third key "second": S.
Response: {"hour": 5, "minute": 39}
